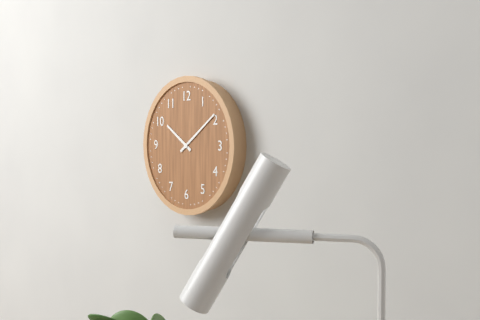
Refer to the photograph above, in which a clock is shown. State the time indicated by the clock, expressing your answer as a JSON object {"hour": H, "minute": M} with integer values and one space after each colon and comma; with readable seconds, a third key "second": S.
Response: {"hour": 10, "minute": 9}
